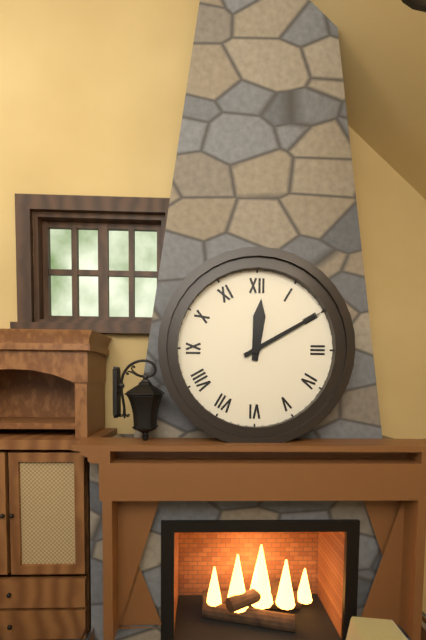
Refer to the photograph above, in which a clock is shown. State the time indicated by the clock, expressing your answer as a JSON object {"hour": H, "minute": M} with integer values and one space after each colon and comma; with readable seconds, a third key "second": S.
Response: {"hour": 12, "minute": 10}
